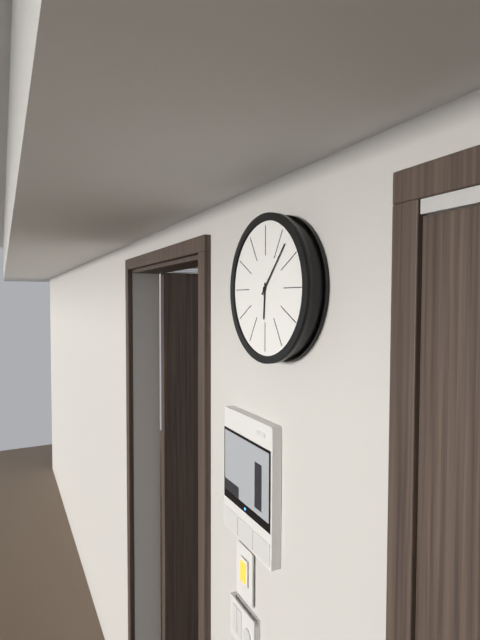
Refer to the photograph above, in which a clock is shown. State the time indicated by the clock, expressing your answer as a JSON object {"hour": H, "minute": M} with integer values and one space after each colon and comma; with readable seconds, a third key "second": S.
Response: {"hour": 6, "minute": 7}
